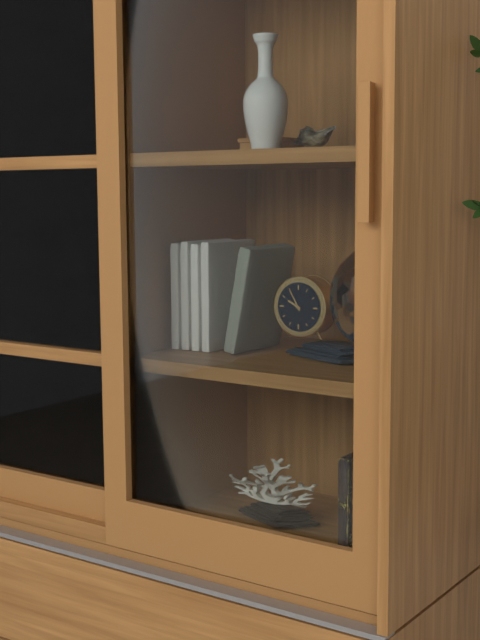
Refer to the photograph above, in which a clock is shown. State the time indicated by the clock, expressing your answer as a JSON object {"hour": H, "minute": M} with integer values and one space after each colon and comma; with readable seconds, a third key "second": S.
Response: {"hour": 9, "minute": 55}
